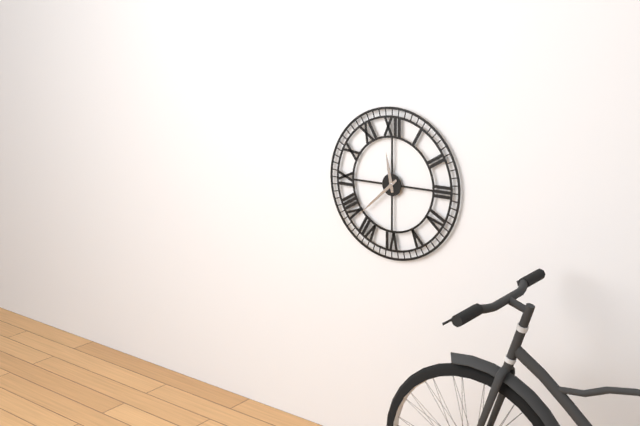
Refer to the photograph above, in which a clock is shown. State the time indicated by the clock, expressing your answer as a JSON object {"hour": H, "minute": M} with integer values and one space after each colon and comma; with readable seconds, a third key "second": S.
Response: {"hour": 11, "minute": 38}
